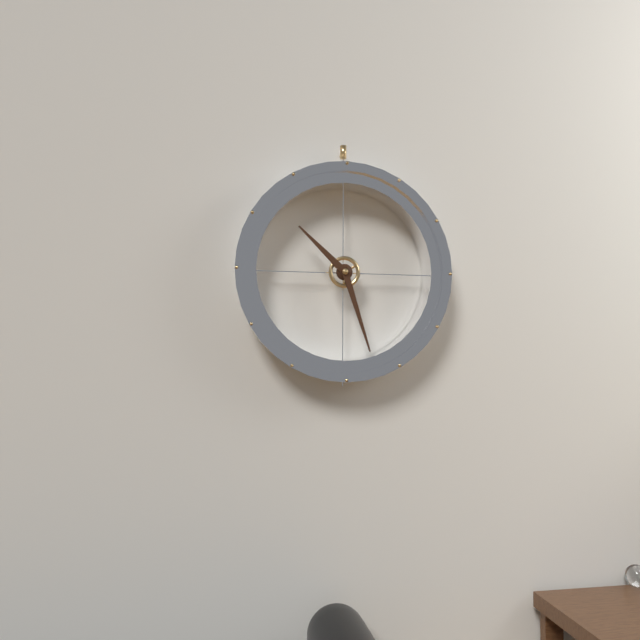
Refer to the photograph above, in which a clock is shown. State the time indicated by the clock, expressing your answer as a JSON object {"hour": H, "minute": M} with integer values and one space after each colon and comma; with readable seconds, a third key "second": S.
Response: {"hour": 10, "minute": 27}
